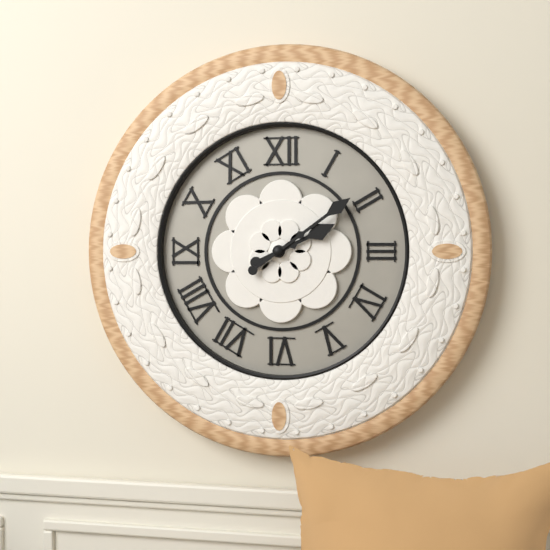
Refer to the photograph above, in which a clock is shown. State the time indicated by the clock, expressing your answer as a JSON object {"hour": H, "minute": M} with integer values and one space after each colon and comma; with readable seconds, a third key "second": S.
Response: {"hour": 2, "minute": 9}
